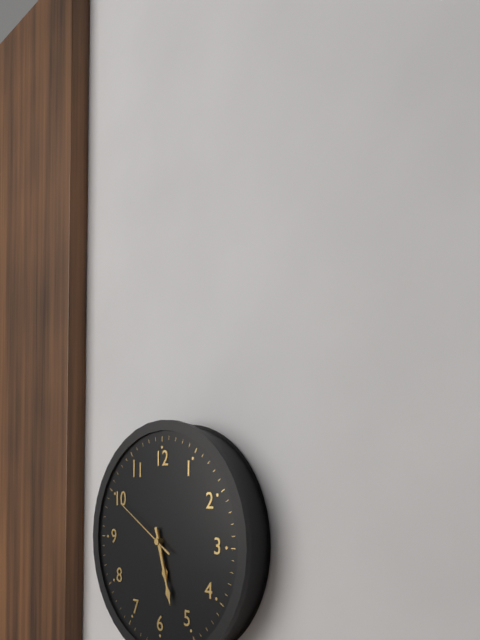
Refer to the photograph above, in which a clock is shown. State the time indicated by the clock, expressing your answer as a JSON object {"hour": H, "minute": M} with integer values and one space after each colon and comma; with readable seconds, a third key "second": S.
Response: {"hour": 5, "minute": 27, "second": 50}
